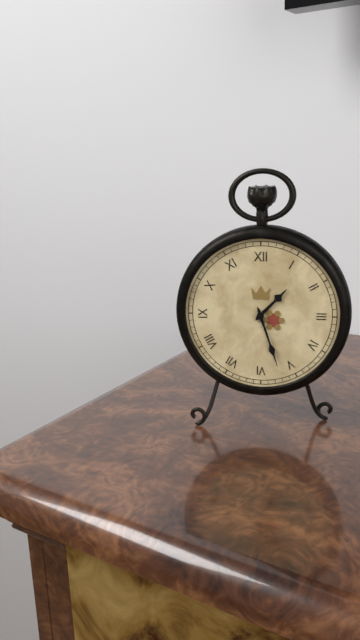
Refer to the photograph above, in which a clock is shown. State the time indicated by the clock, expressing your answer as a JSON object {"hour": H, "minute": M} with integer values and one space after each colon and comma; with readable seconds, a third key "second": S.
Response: {"hour": 1, "minute": 27}
